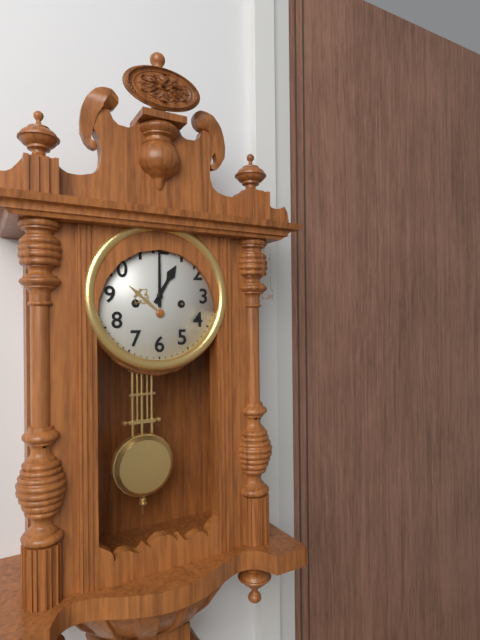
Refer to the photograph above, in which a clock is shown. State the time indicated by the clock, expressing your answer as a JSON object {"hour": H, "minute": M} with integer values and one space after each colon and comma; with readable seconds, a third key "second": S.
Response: {"hour": 1, "minute": 0}
